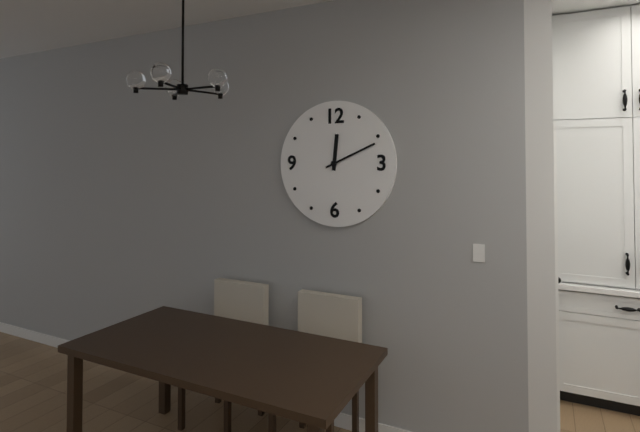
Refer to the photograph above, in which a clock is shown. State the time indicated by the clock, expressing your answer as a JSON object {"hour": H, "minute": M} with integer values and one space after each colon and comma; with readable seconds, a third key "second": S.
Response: {"hour": 12, "minute": 11}
